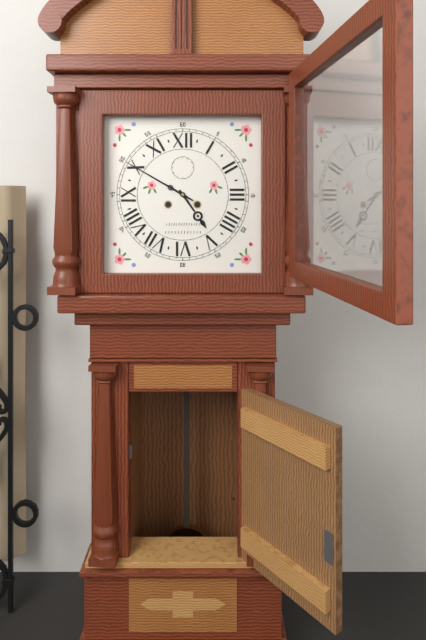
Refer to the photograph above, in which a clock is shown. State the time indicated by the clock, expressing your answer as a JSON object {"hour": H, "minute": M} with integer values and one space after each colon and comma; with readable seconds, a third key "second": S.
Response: {"hour": 4, "minute": 50}
